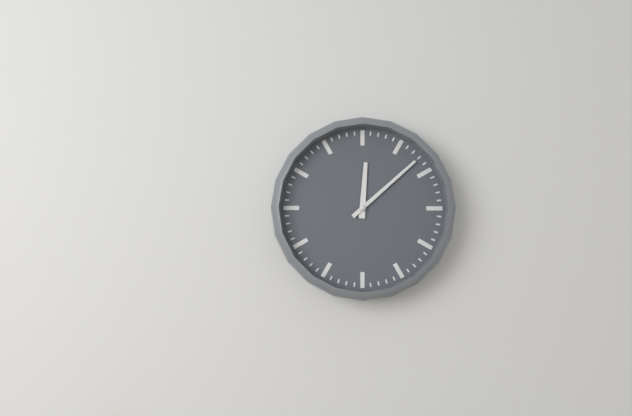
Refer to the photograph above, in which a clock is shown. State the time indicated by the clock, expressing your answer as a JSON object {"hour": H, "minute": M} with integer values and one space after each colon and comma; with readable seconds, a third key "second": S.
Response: {"hour": 12, "minute": 8}
